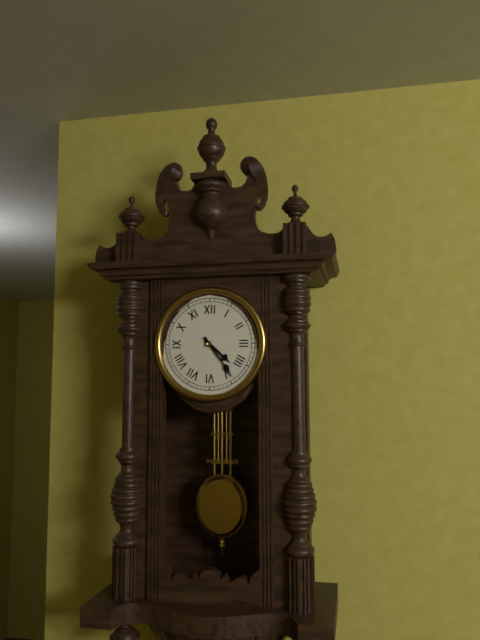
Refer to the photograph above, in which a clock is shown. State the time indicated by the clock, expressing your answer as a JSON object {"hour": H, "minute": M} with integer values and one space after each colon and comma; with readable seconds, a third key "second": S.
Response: {"hour": 4, "minute": 24}
